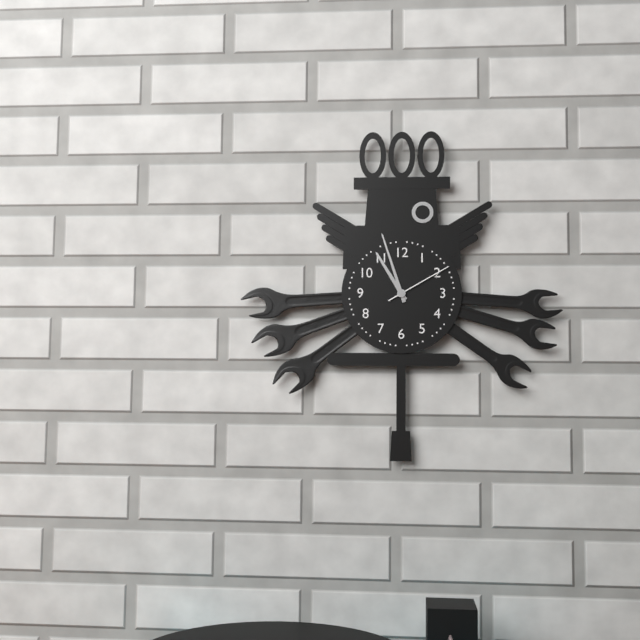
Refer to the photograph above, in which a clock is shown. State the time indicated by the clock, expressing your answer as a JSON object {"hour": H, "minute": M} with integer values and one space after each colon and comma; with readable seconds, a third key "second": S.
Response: {"hour": 10, "minute": 57, "second": 10}
